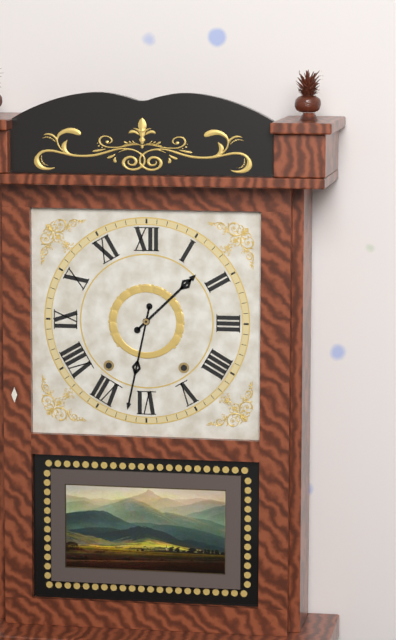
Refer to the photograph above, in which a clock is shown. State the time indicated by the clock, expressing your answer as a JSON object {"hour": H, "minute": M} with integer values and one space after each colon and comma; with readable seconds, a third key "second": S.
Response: {"hour": 1, "minute": 32}
